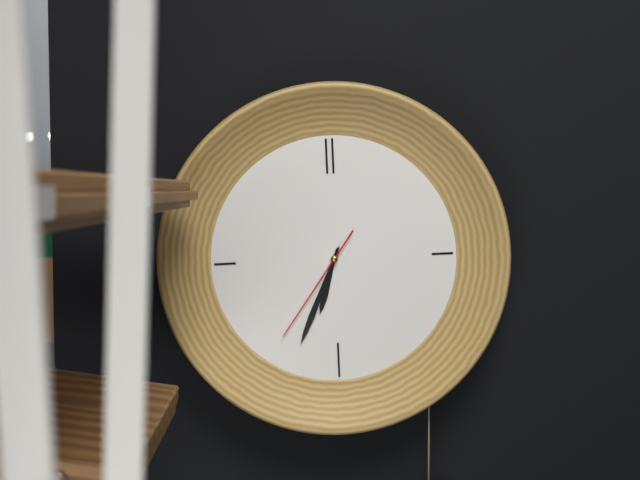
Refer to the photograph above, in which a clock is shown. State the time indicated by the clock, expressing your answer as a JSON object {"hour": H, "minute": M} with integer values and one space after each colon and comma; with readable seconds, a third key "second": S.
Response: {"hour": 6, "minute": 34, "second": 36}
